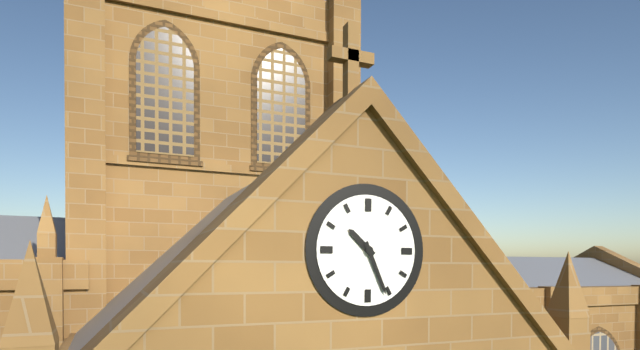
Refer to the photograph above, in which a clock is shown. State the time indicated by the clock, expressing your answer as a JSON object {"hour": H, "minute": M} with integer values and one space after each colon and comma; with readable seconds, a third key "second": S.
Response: {"hour": 10, "minute": 26}
